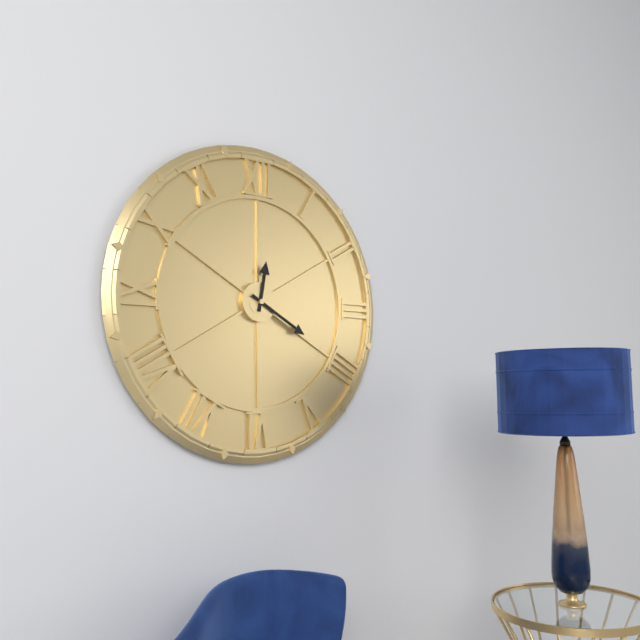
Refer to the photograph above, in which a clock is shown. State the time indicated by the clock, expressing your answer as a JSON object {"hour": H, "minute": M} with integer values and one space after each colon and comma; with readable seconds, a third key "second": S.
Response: {"hour": 12, "minute": 20}
